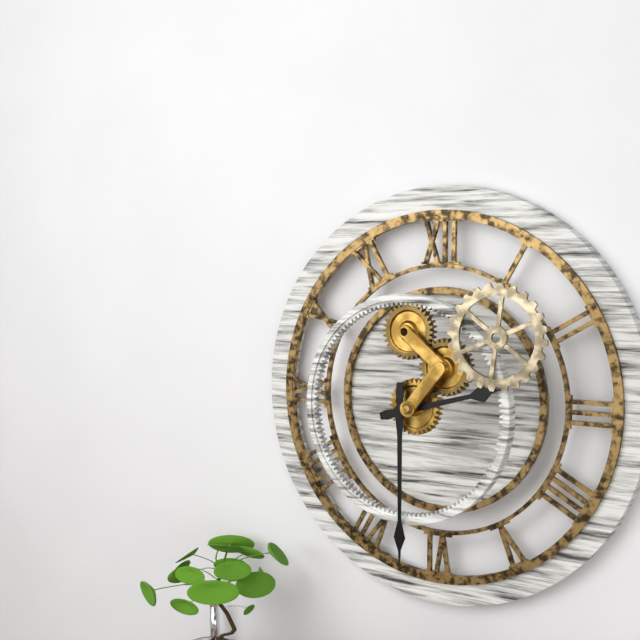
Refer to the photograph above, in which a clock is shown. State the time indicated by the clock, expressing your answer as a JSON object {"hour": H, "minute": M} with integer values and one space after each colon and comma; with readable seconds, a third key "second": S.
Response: {"hour": 2, "minute": 30}
